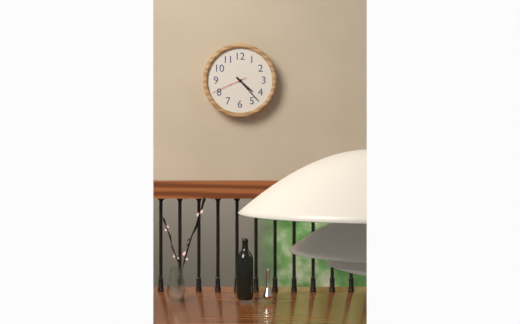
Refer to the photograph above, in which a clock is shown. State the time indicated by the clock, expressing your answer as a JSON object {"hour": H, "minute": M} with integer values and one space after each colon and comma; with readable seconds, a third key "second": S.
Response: {"hour": 4, "minute": 23}
